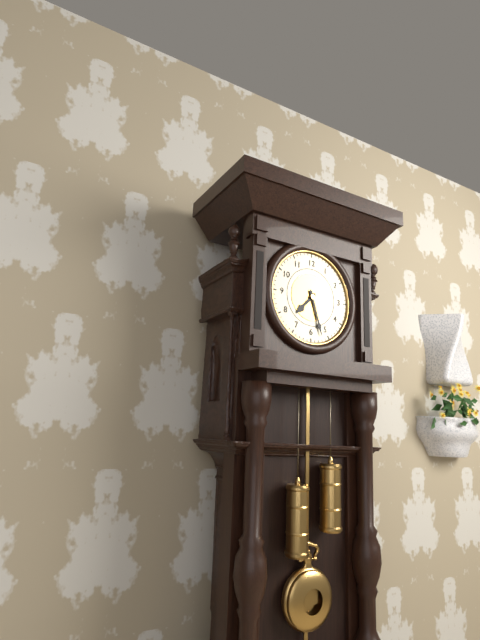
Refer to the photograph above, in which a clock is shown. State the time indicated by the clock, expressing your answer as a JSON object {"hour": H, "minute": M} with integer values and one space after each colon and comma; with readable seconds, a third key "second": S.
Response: {"hour": 7, "minute": 27}
